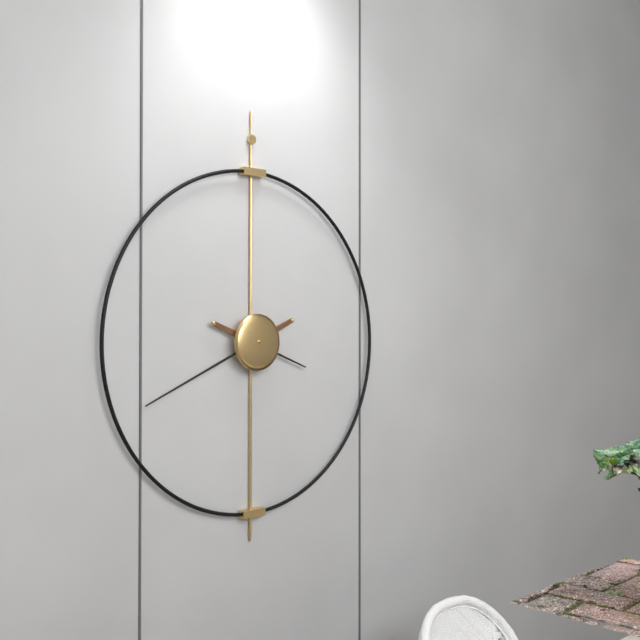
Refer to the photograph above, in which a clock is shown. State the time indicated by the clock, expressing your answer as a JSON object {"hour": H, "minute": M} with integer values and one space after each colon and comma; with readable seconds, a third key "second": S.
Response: {"hour": 3, "minute": 41}
